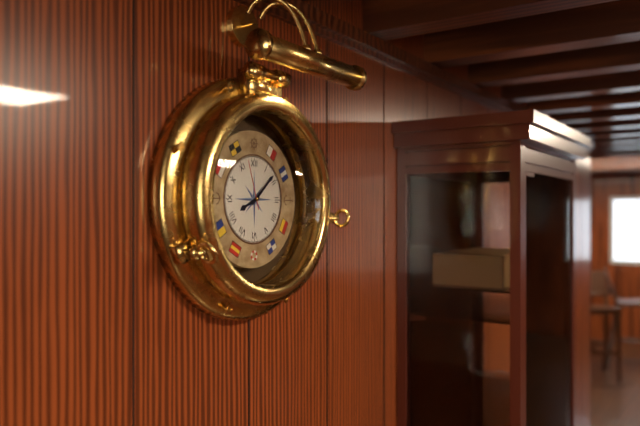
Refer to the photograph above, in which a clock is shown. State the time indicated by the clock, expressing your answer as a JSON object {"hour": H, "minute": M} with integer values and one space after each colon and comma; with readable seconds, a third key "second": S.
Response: {"hour": 8, "minute": 8, "second": 57}
